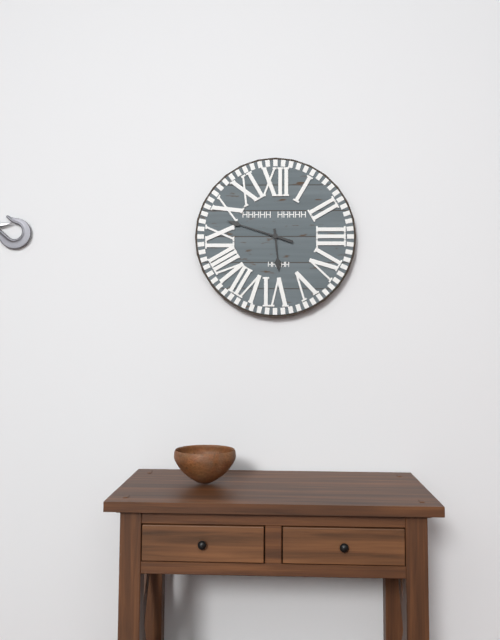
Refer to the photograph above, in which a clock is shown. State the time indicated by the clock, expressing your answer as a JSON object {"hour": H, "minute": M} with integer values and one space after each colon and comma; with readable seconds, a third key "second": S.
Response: {"hour": 5, "minute": 48}
